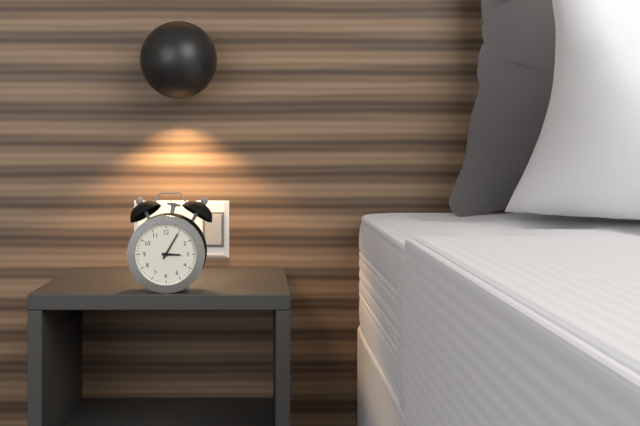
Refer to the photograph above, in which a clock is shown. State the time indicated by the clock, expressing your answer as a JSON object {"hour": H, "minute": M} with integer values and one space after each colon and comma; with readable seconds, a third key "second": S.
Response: {"hour": 3, "minute": 5}
